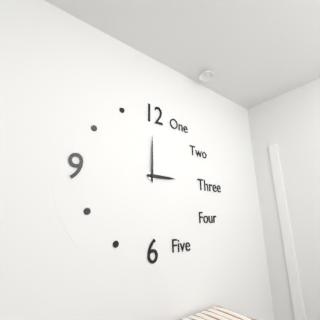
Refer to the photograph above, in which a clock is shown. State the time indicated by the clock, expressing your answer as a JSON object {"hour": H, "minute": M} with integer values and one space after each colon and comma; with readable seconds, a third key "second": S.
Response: {"hour": 3, "minute": 0}
